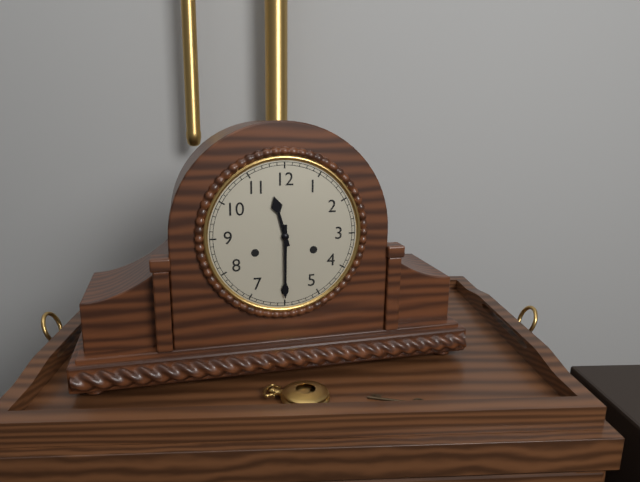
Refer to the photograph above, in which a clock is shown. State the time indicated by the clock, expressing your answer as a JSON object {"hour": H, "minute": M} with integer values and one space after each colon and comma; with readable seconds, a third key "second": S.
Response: {"hour": 11, "minute": 30}
